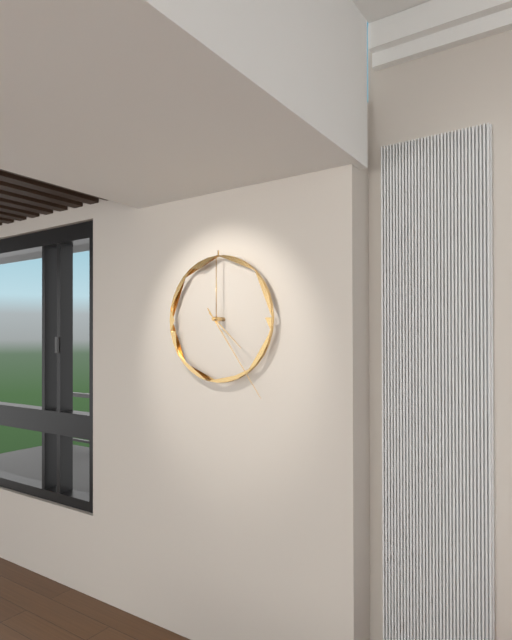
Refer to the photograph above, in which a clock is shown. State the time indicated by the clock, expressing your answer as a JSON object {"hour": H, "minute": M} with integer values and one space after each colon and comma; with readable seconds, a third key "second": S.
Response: {"hour": 4, "minute": 24}
